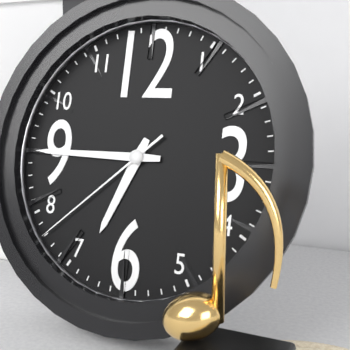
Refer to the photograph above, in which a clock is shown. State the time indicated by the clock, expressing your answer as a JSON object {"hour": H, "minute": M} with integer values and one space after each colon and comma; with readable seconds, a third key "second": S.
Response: {"hour": 6, "minute": 45, "second": 38}
